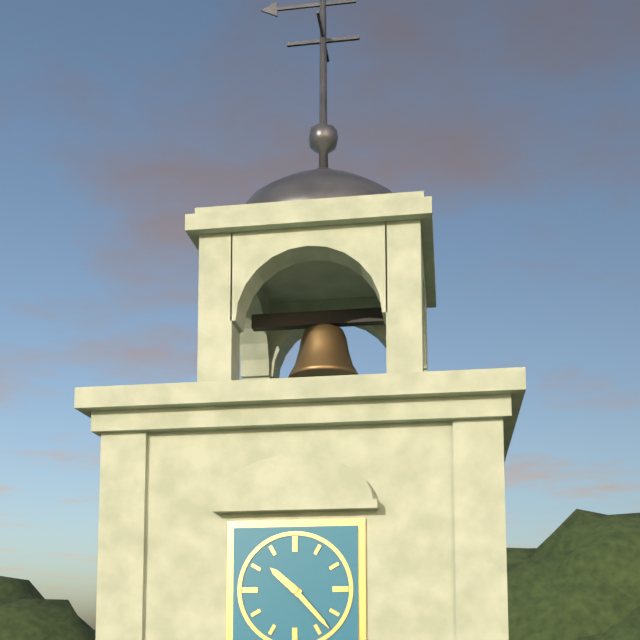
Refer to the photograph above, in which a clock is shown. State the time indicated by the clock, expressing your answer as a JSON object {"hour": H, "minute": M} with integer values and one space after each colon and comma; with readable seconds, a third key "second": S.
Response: {"hour": 10, "minute": 23}
